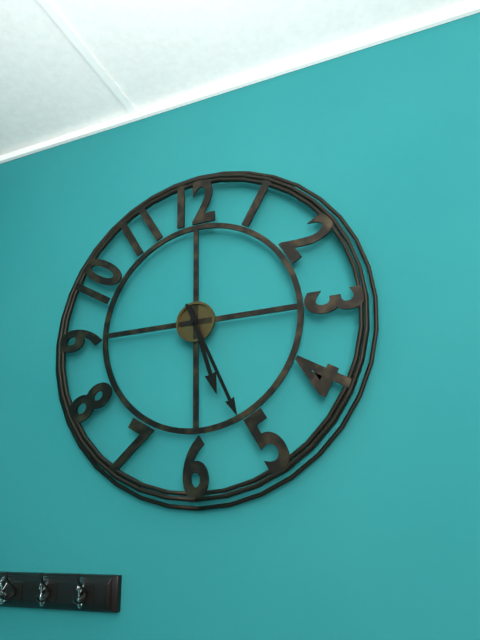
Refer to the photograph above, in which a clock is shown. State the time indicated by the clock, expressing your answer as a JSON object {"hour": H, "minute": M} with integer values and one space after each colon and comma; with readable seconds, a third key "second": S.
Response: {"hour": 5, "minute": 26}
